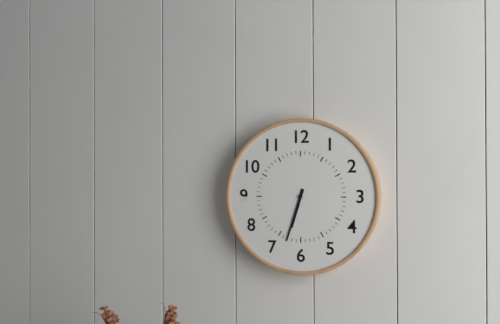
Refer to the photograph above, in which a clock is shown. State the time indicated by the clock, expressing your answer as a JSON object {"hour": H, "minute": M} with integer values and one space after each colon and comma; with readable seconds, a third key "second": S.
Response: {"hour": 6, "minute": 33}
